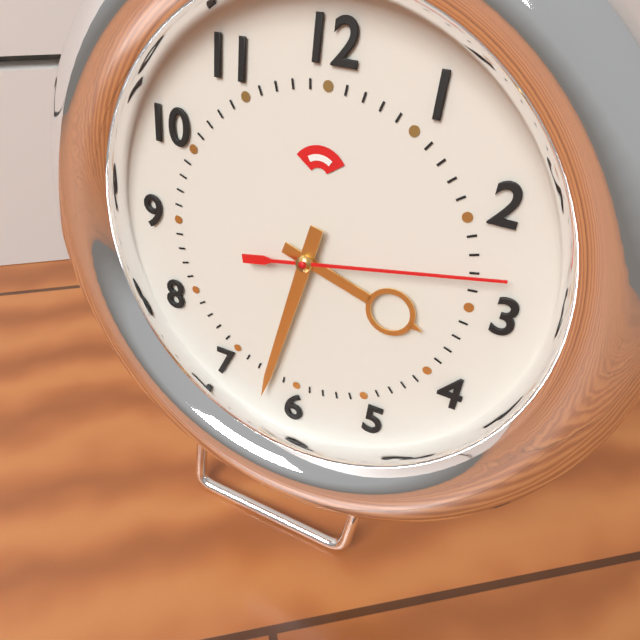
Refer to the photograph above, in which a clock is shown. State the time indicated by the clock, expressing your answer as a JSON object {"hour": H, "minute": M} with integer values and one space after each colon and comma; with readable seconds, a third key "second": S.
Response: {"hour": 3, "minute": 32, "second": 13}
